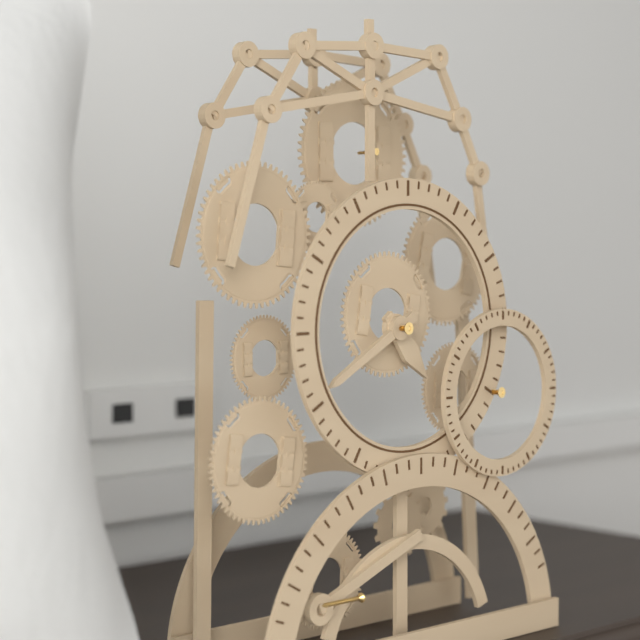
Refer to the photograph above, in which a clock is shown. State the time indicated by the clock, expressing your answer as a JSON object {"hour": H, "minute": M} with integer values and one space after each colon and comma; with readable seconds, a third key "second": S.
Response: {"hour": 4, "minute": 40}
